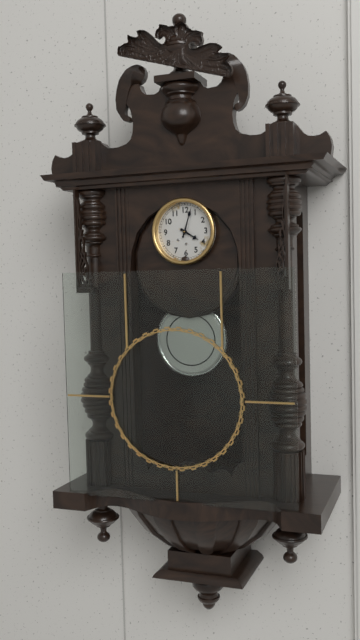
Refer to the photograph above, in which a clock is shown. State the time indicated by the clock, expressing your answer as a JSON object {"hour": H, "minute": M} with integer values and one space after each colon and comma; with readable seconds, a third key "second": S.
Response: {"hour": 4, "minute": 3}
